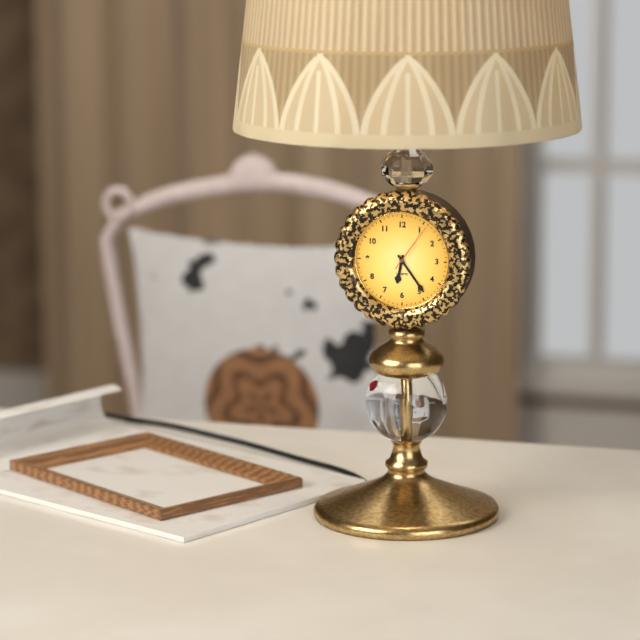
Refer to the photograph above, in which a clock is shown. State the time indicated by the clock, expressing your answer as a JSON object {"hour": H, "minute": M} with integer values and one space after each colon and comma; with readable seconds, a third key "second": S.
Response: {"hour": 6, "minute": 24, "second": 6}
